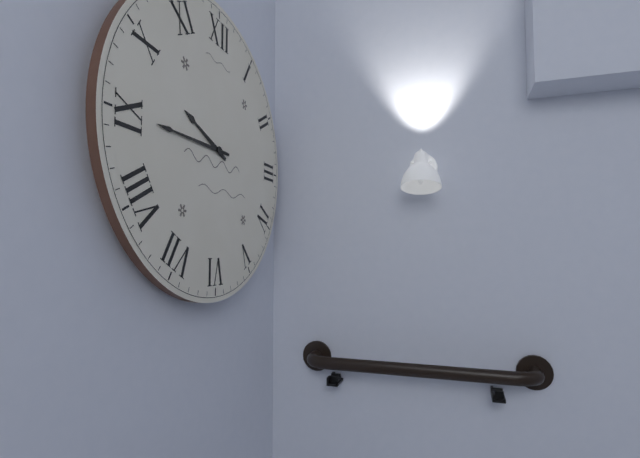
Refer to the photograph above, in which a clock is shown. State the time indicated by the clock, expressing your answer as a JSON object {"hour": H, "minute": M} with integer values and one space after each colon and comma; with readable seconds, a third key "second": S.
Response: {"hour": 9, "minute": 45}
